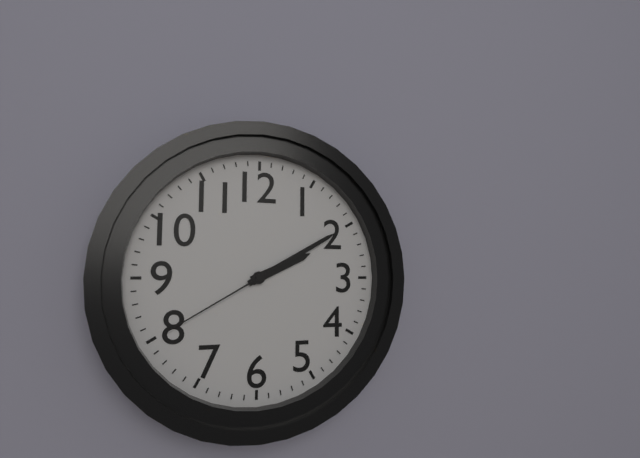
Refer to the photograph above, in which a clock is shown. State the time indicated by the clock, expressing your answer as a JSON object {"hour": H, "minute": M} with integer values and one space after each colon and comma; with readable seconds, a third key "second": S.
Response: {"hour": 2, "minute": 10, "second": 40}
